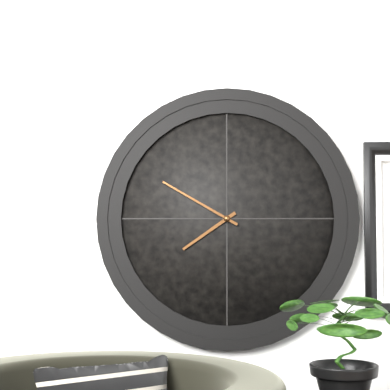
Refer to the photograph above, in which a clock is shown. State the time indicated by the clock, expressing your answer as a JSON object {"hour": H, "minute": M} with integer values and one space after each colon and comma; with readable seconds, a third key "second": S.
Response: {"hour": 7, "minute": 50}
